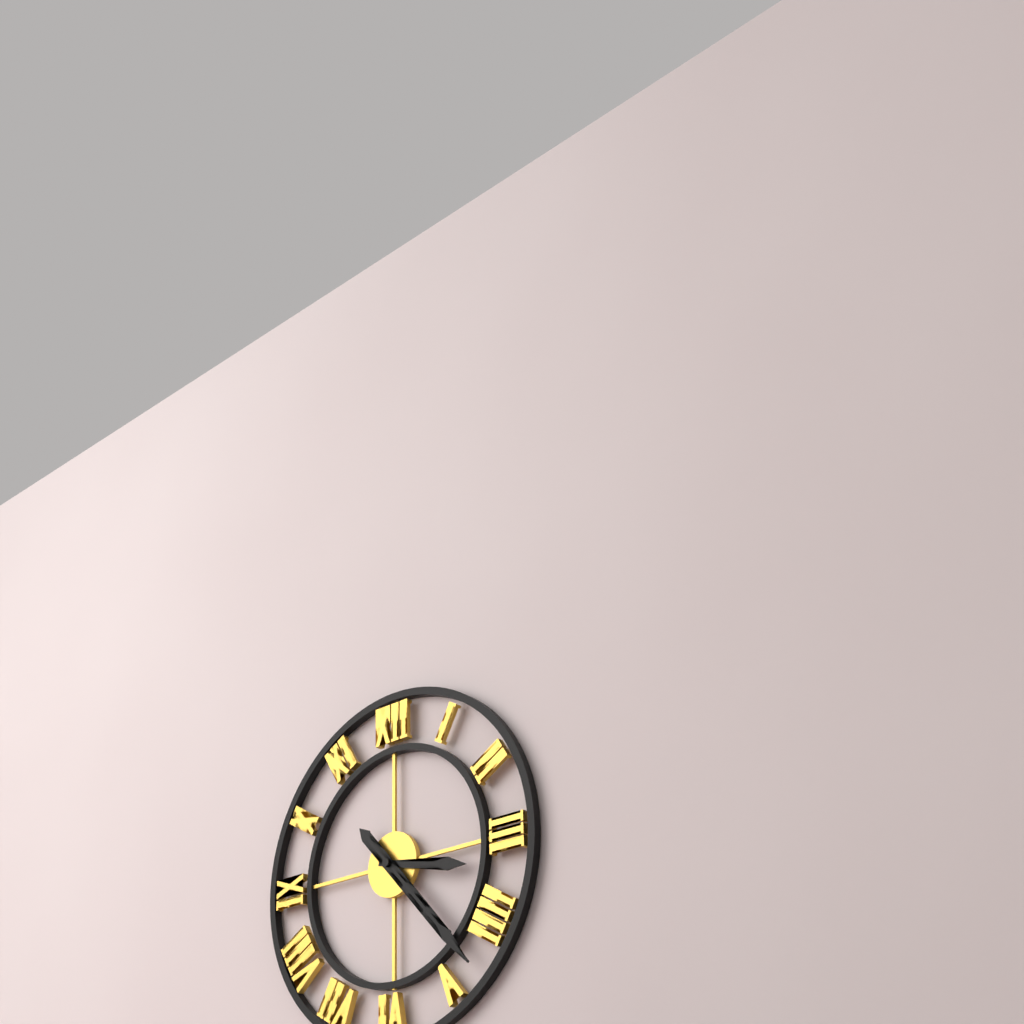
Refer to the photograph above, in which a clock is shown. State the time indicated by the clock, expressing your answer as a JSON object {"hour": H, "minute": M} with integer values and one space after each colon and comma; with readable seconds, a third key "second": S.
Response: {"hour": 3, "minute": 23}
